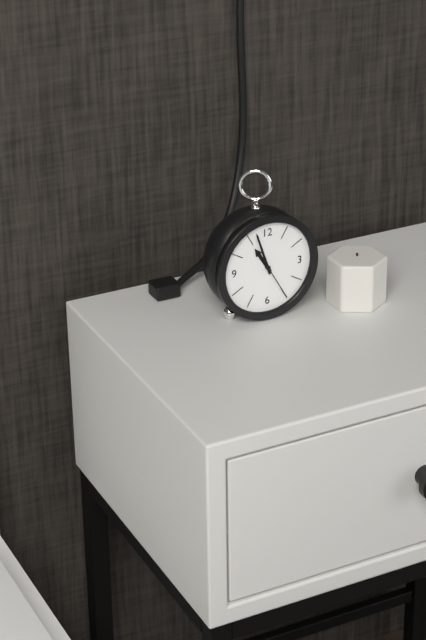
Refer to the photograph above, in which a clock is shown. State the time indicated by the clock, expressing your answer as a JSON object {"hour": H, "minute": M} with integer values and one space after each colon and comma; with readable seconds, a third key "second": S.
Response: {"hour": 10, "minute": 57}
